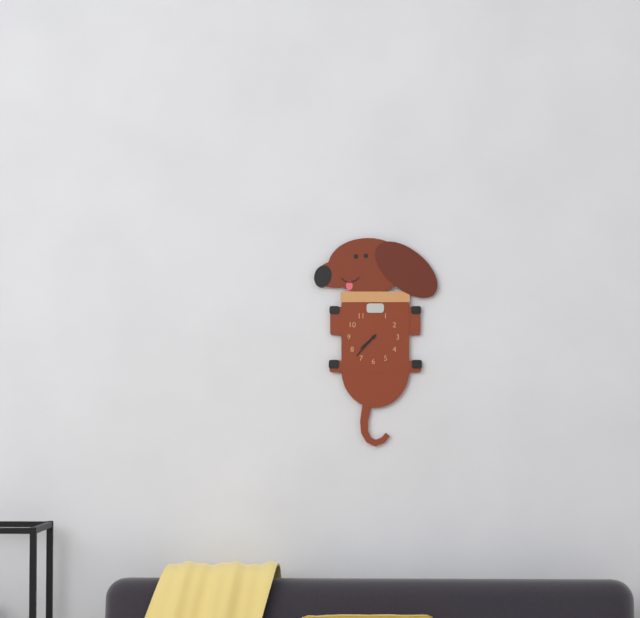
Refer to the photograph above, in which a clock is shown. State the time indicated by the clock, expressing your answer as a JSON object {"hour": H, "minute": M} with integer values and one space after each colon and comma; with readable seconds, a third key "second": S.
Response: {"hour": 7, "minute": 37}
